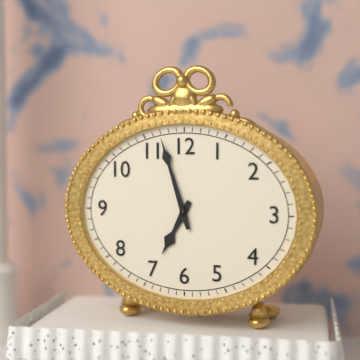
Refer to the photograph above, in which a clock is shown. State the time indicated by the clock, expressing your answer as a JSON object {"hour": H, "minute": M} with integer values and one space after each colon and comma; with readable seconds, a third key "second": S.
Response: {"hour": 6, "minute": 57}
